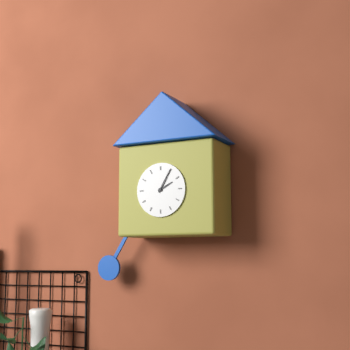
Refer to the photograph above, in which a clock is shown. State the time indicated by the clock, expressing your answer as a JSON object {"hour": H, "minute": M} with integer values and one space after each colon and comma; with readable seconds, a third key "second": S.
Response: {"hour": 2, "minute": 5}
